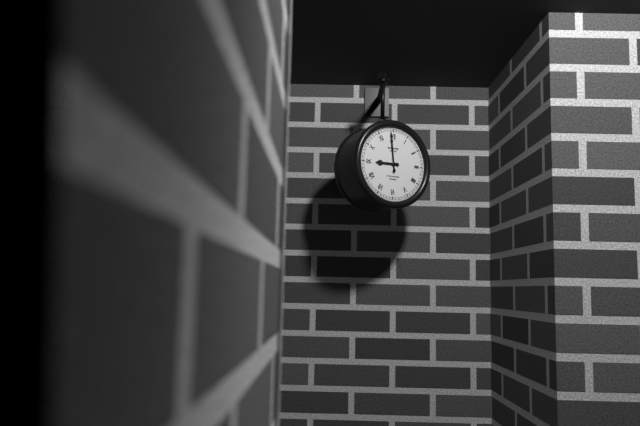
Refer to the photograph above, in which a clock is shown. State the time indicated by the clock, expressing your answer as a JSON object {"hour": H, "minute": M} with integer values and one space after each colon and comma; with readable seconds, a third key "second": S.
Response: {"hour": 8, "minute": 59}
